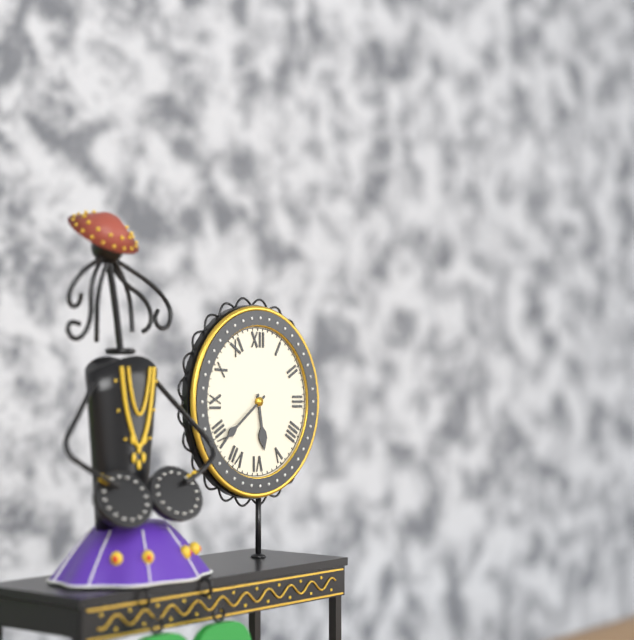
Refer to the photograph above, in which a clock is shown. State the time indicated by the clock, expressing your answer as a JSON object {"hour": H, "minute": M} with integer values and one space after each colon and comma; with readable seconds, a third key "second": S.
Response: {"hour": 5, "minute": 39}
